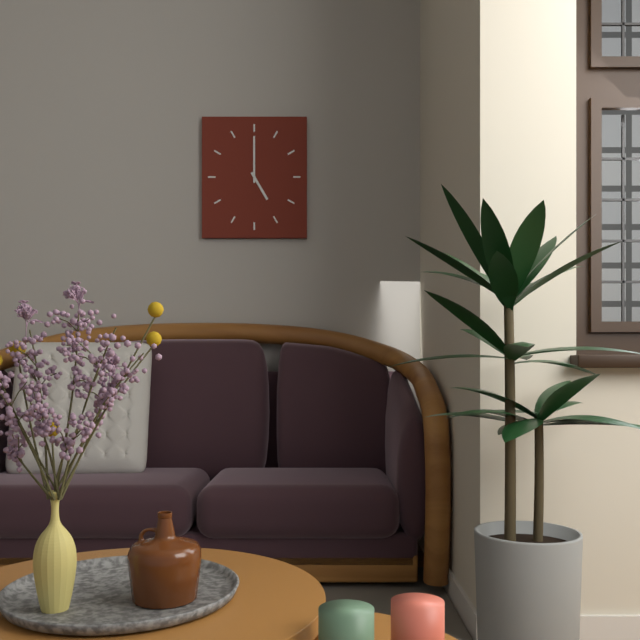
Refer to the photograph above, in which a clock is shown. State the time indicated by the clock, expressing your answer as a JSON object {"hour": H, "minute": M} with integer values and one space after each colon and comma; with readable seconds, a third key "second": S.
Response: {"hour": 5, "minute": 0}
